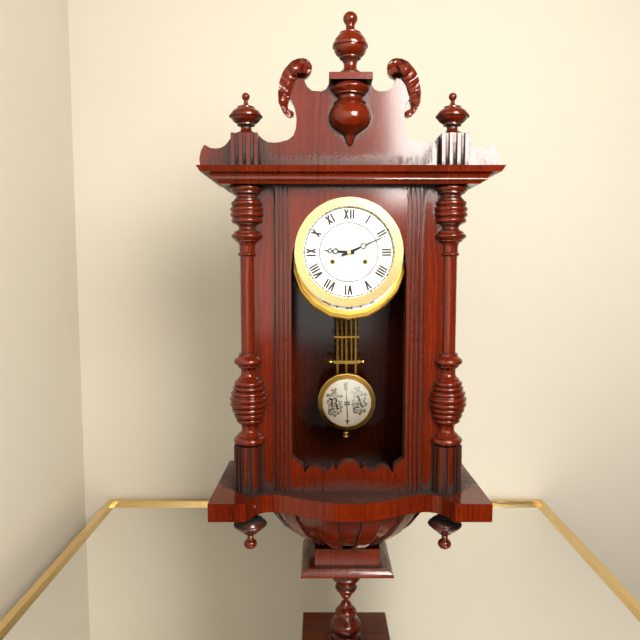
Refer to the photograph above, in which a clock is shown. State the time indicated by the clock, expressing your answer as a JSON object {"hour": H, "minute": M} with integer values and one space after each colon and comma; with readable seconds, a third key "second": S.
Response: {"hour": 9, "minute": 11}
